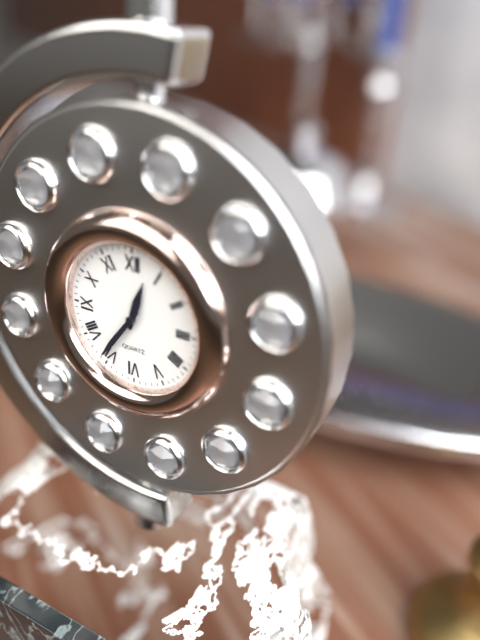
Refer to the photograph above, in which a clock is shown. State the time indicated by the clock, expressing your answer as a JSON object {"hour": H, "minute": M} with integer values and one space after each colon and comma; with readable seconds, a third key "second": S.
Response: {"hour": 12, "minute": 36}
